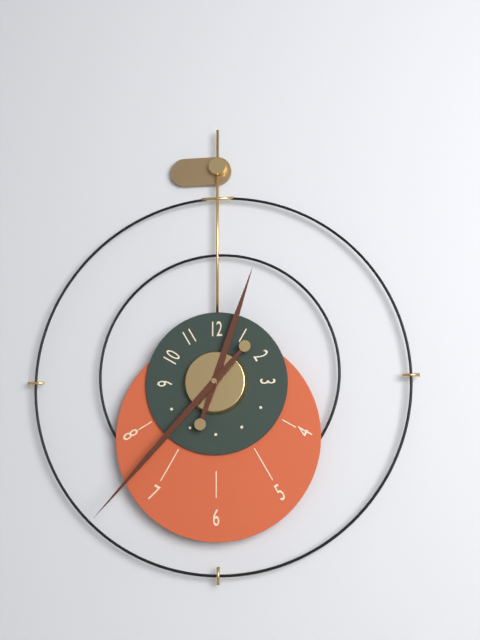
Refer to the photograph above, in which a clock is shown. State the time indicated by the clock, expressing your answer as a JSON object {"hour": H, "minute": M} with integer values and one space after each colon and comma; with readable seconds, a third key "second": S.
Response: {"hour": 12, "minute": 37}
